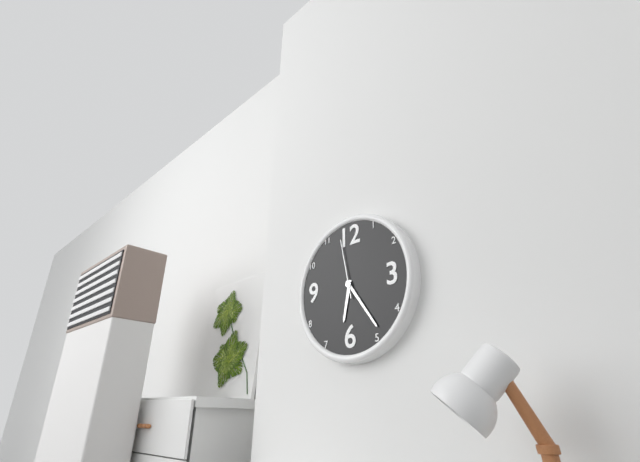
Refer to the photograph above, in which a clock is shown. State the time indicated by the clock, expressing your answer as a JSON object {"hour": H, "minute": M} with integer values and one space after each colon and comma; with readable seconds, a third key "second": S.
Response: {"hour": 6, "minute": 24, "second": 58}
